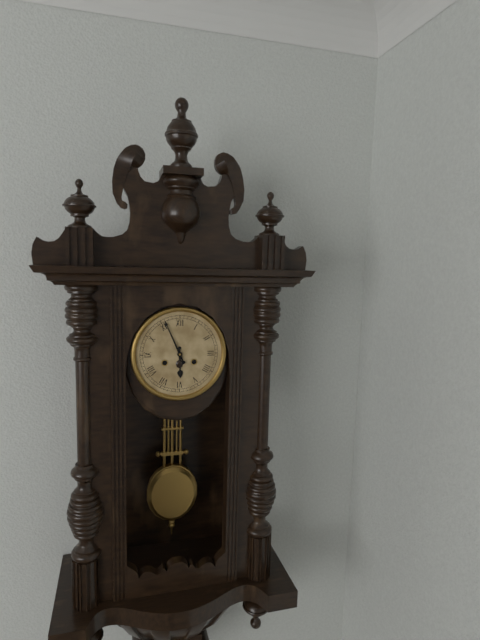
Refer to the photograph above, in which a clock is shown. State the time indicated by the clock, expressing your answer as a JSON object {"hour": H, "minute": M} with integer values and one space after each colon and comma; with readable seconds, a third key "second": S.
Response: {"hour": 5, "minute": 56}
